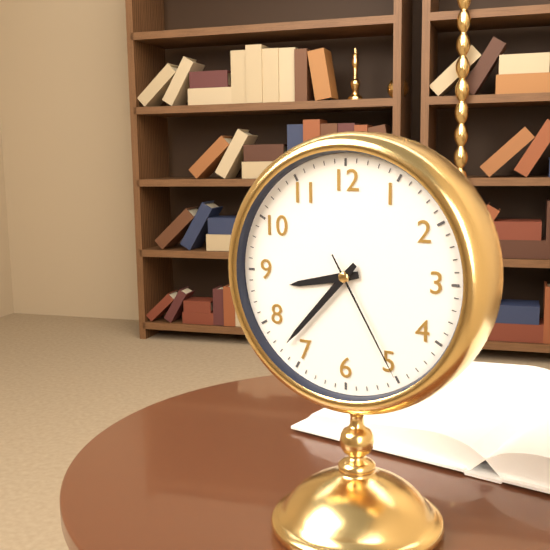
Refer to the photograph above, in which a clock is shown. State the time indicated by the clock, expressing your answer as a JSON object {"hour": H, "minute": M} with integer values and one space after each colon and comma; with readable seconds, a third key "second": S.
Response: {"hour": 8, "minute": 37, "second": 25}
